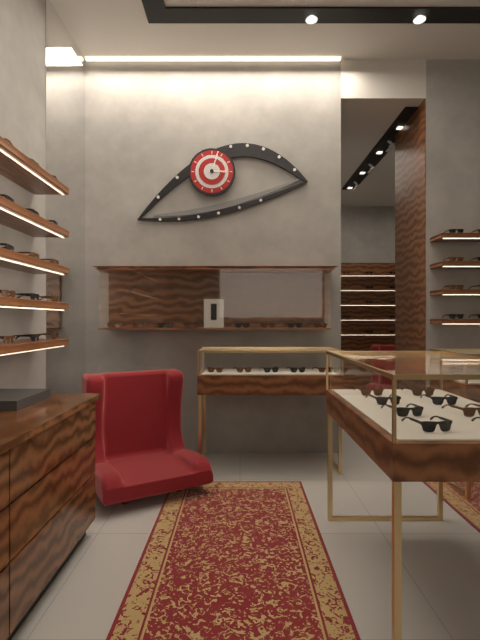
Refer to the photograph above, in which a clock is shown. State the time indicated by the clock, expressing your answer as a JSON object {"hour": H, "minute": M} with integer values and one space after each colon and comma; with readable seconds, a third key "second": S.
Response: {"hour": 3, "minute": 3}
